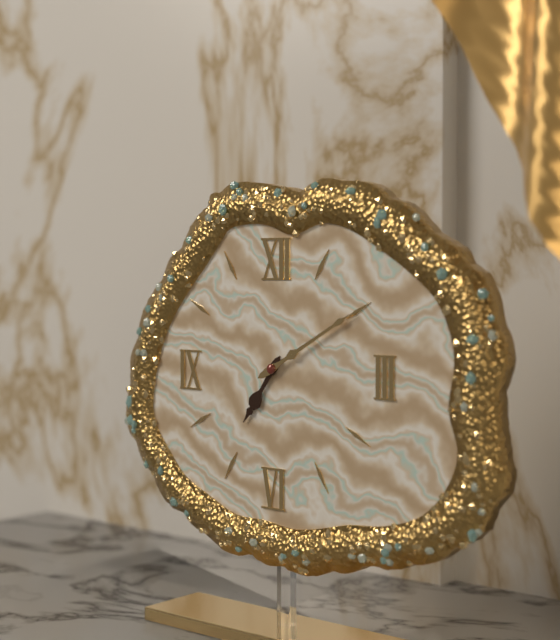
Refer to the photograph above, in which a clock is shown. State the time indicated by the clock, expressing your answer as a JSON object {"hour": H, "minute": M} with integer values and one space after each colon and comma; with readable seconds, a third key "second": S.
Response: {"hour": 7, "minute": 10}
